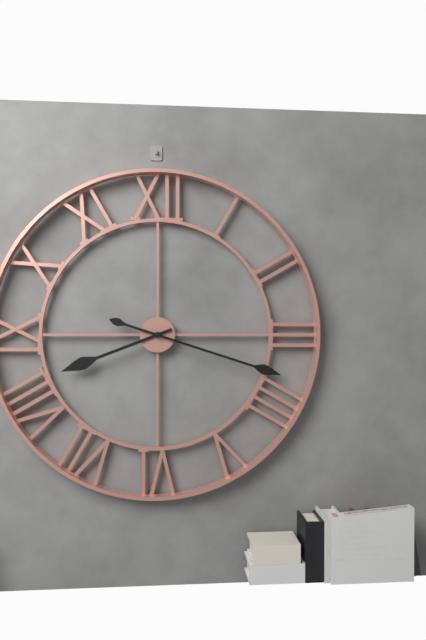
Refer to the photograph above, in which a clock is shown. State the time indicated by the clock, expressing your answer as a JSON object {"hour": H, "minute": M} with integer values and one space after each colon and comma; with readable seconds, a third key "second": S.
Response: {"hour": 8, "minute": 18}
